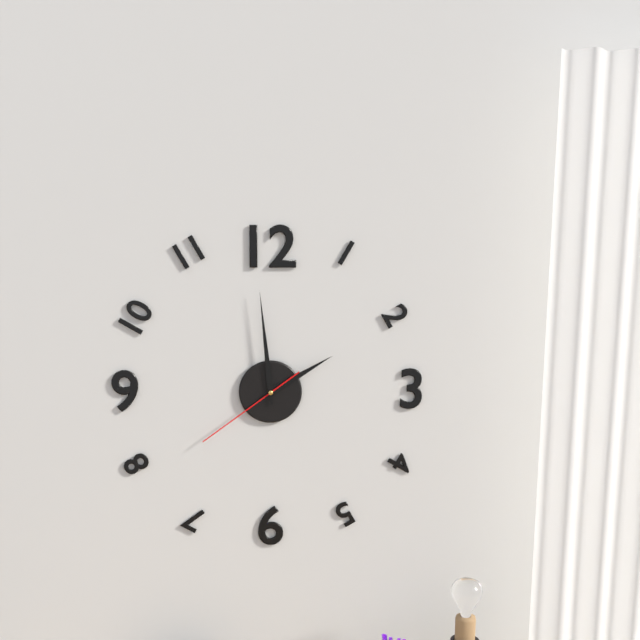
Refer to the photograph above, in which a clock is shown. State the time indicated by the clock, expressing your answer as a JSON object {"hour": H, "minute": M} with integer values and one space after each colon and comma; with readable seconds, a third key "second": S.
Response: {"hour": 1, "minute": 59, "second": 39}
